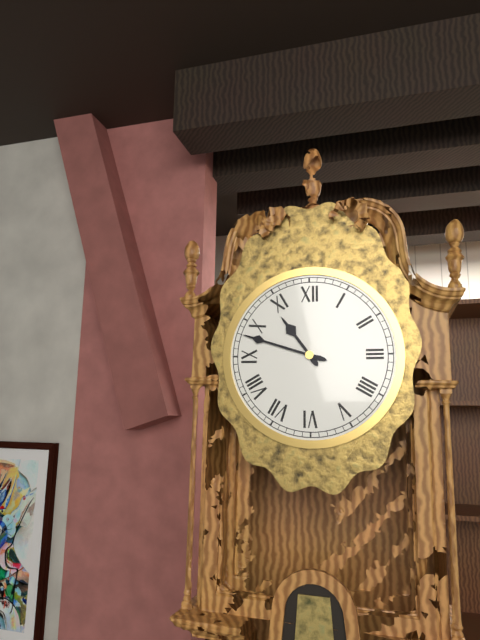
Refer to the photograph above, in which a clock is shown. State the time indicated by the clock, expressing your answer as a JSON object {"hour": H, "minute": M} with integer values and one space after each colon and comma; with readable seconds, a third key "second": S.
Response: {"hour": 10, "minute": 48}
